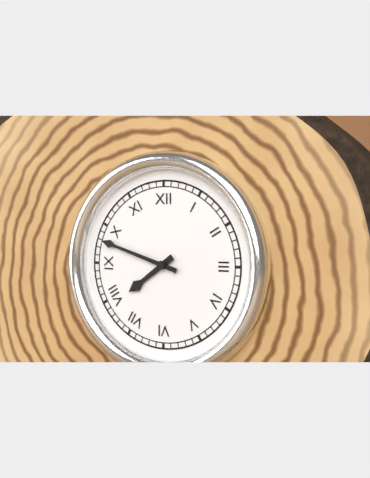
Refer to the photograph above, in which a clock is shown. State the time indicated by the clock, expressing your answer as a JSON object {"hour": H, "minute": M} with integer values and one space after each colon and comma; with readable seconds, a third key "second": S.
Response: {"hour": 7, "minute": 48}
